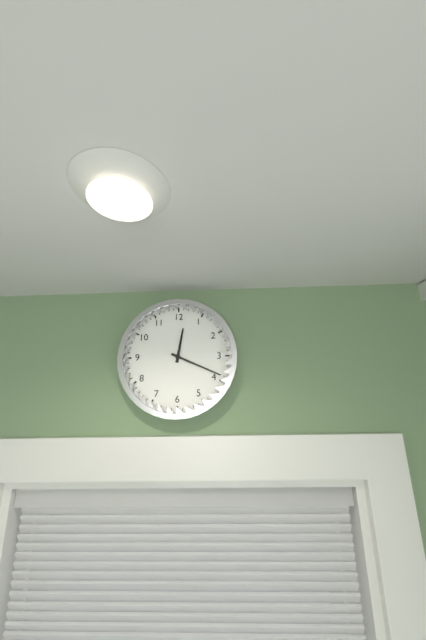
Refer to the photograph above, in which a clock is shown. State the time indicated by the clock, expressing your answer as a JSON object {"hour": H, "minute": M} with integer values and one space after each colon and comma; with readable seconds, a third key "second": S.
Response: {"hour": 12, "minute": 19}
